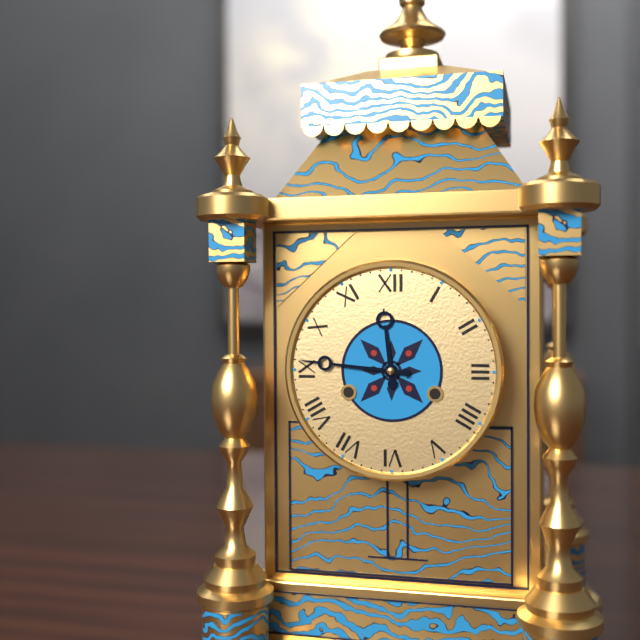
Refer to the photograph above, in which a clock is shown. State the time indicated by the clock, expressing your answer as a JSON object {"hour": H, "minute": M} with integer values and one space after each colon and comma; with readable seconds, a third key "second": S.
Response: {"hour": 11, "minute": 46}
